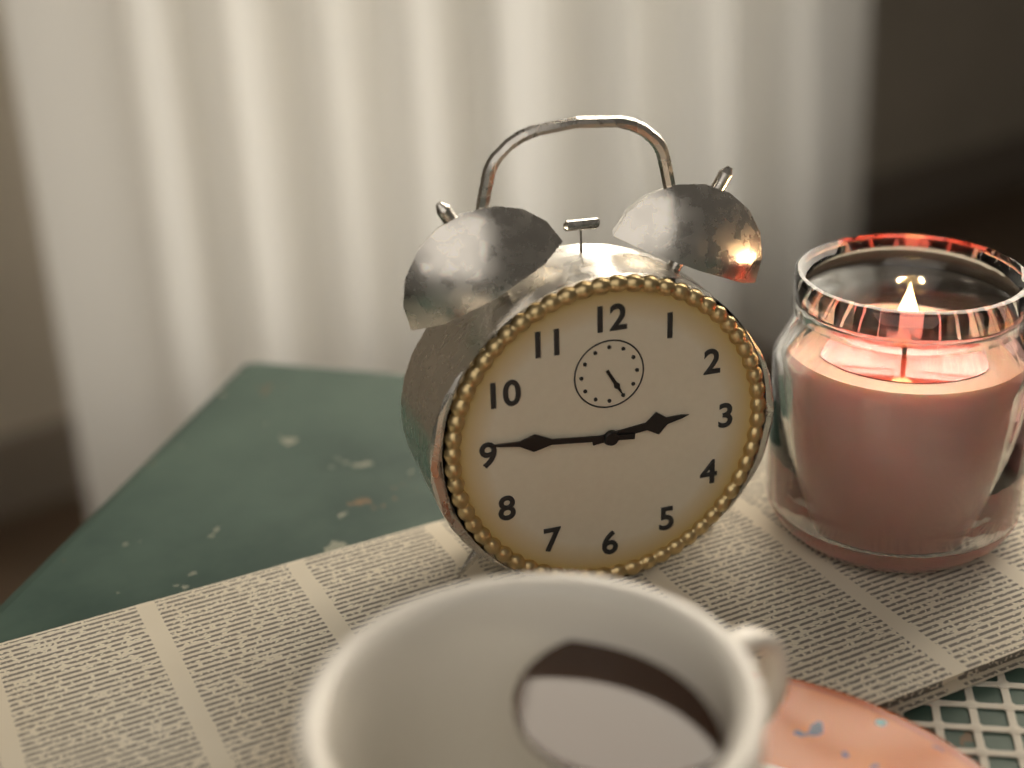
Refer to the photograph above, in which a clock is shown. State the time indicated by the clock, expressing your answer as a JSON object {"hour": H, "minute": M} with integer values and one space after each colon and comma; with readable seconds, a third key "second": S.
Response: {"hour": 2, "minute": 46}
